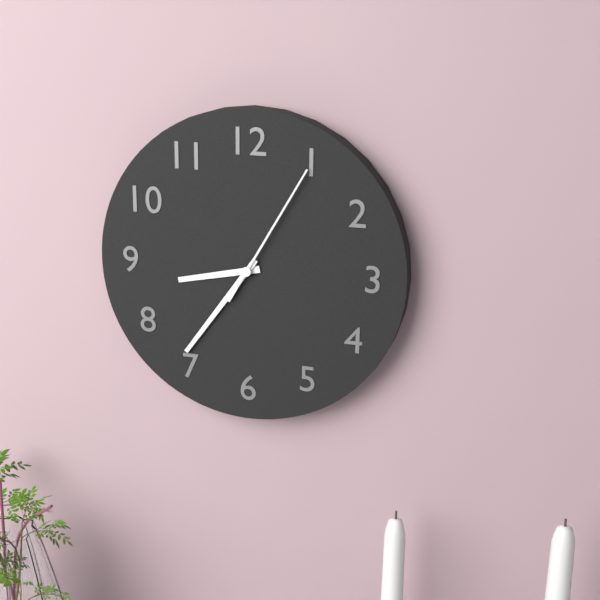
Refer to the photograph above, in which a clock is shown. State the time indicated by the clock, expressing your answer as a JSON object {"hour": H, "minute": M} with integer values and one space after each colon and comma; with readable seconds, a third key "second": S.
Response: {"hour": 8, "minute": 36, "second": 5}
